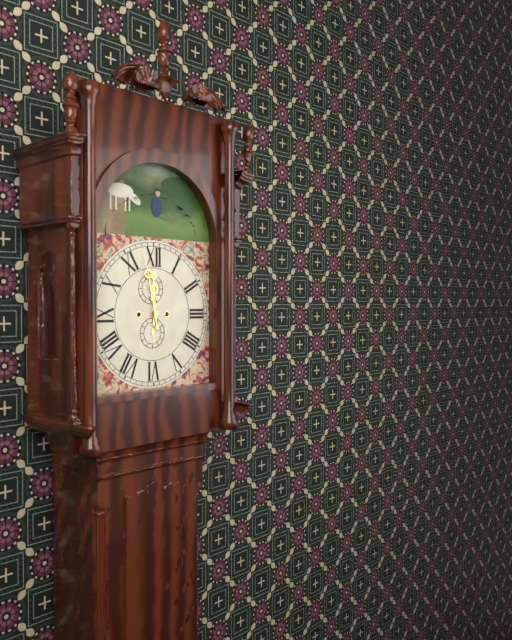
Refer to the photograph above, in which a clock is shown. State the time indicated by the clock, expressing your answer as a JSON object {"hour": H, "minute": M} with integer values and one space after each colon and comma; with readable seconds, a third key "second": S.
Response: {"hour": 11, "minute": 58}
